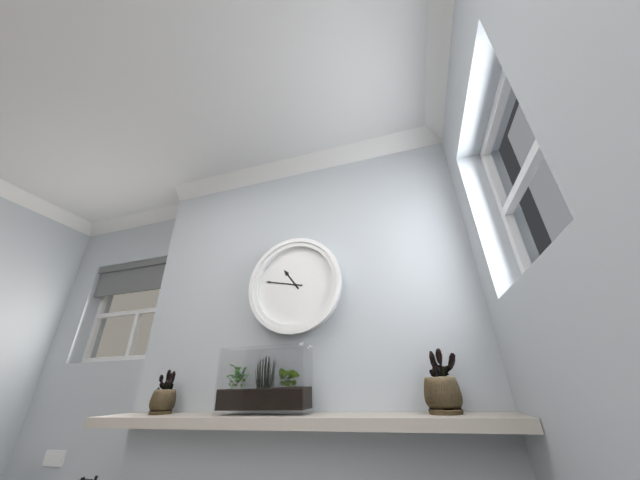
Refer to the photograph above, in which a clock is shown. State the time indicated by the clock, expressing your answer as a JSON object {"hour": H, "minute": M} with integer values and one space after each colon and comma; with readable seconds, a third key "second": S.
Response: {"hour": 10, "minute": 47}
